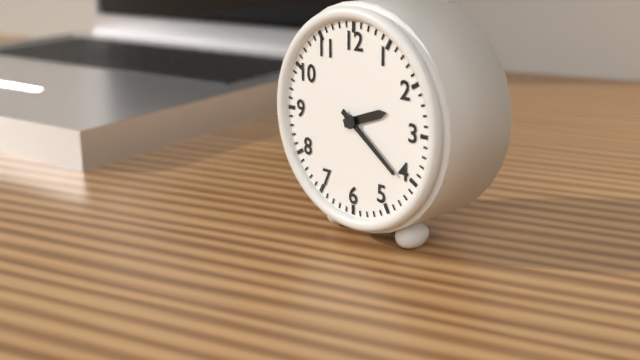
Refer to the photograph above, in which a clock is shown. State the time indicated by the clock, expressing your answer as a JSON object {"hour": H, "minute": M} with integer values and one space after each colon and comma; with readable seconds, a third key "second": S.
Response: {"hour": 2, "minute": 21}
